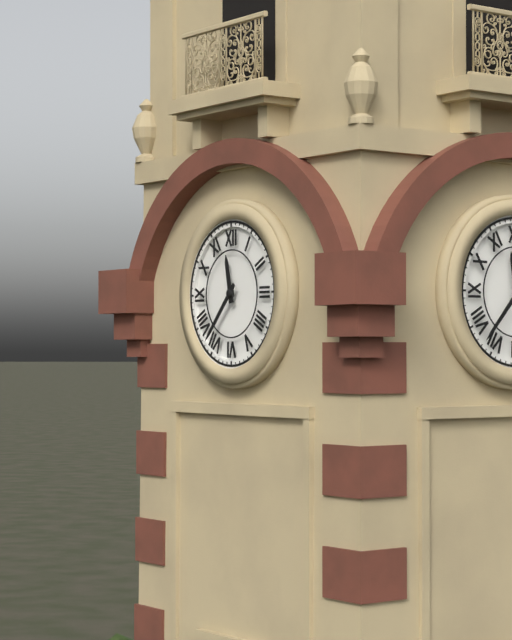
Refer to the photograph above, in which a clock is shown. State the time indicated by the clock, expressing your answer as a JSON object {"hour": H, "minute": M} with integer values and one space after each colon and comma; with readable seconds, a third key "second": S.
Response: {"hour": 11, "minute": 37}
